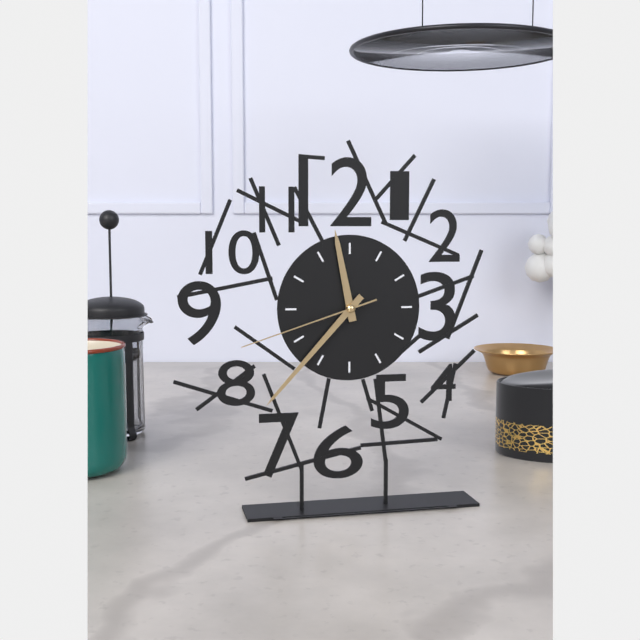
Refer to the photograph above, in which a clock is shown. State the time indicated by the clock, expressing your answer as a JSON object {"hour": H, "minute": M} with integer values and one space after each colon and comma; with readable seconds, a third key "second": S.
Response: {"hour": 11, "minute": 37, "second": 42}
